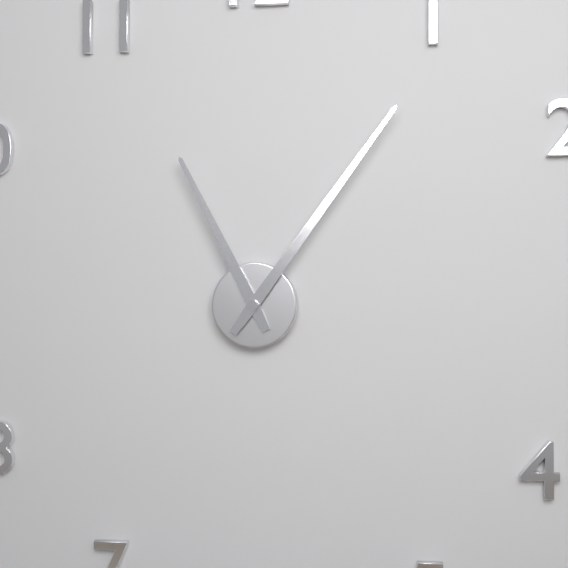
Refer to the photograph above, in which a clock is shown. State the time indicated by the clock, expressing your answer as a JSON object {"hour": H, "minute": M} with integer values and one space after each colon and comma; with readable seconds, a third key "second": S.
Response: {"hour": 11, "minute": 6}
